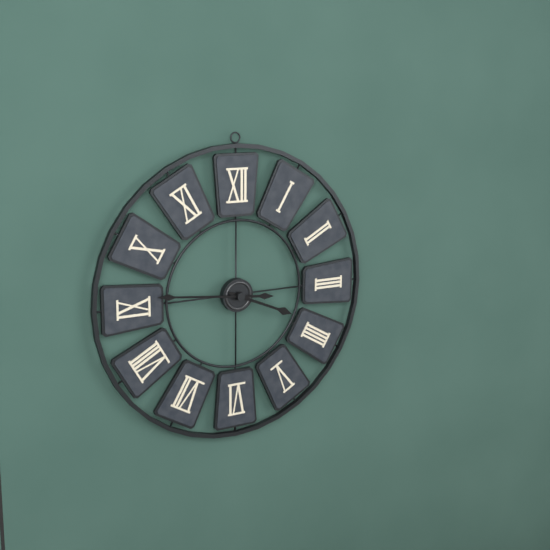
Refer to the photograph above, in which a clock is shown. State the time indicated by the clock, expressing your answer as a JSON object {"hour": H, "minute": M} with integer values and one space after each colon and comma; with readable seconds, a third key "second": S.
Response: {"hour": 3, "minute": 46}
